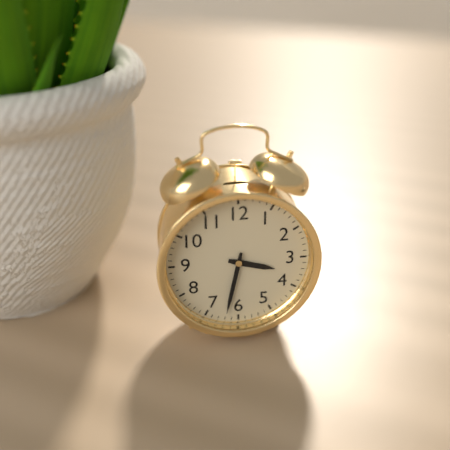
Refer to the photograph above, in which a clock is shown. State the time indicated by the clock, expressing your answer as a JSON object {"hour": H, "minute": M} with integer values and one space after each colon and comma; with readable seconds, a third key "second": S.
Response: {"hour": 3, "minute": 32}
